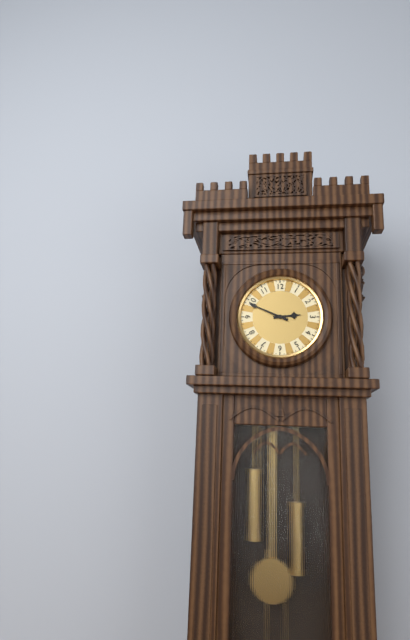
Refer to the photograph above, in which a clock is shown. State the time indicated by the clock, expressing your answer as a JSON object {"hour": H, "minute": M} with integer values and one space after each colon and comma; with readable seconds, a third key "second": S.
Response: {"hour": 2, "minute": 49}
